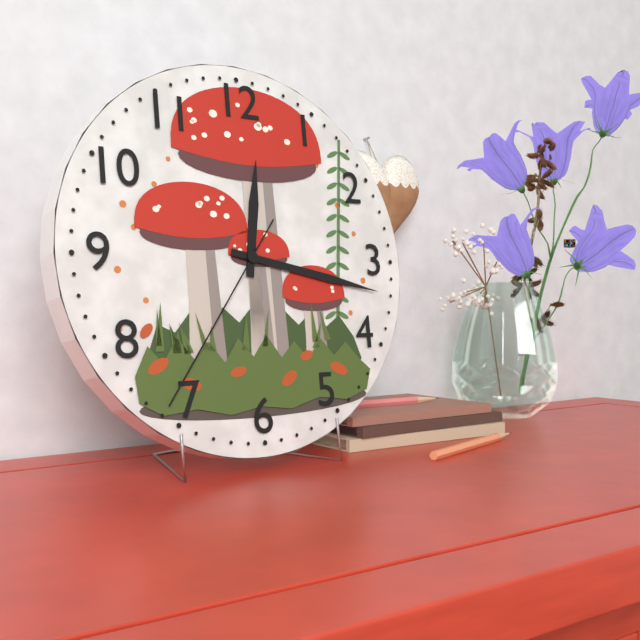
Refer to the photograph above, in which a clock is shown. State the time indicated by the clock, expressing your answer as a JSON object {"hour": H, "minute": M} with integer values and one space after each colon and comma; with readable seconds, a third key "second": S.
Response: {"hour": 12, "minute": 17, "second": 36}
